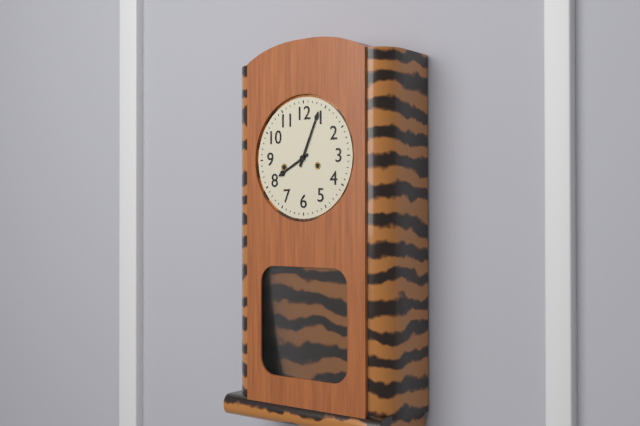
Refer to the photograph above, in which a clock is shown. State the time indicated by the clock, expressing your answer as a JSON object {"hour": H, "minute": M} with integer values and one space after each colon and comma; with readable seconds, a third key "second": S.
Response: {"hour": 8, "minute": 4}
